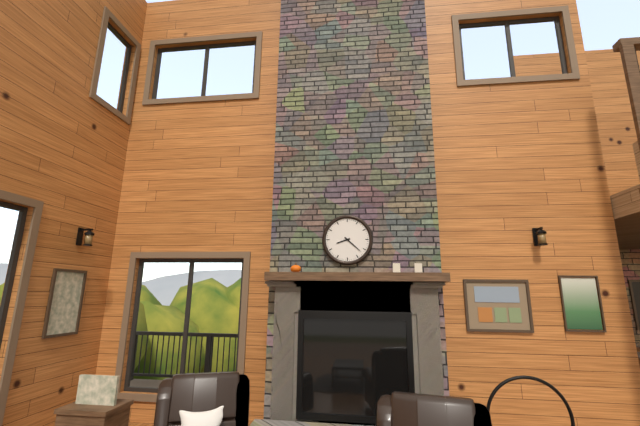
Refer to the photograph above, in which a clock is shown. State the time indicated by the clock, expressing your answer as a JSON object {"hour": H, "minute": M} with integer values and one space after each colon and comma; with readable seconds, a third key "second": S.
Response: {"hour": 8, "minute": 22}
